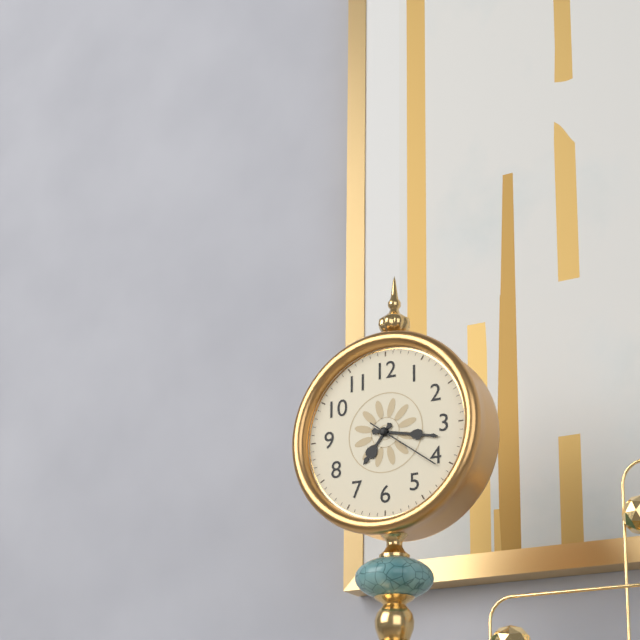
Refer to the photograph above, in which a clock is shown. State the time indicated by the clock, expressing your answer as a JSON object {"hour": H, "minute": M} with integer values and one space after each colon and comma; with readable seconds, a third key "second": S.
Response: {"hour": 7, "minute": 17, "second": 21}
